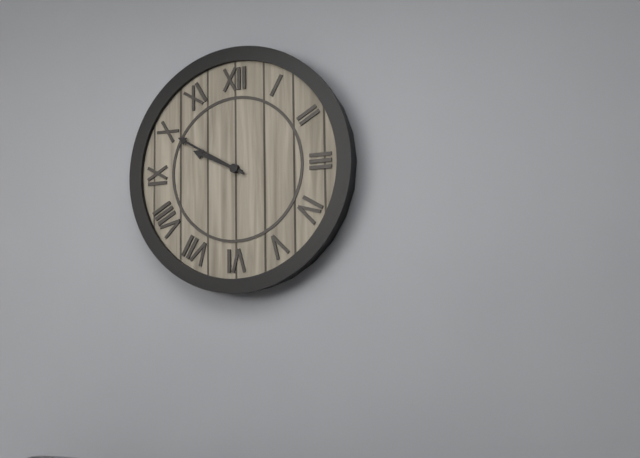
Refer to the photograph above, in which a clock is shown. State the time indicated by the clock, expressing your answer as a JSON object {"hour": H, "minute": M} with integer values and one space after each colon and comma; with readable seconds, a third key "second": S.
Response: {"hour": 9, "minute": 50}
